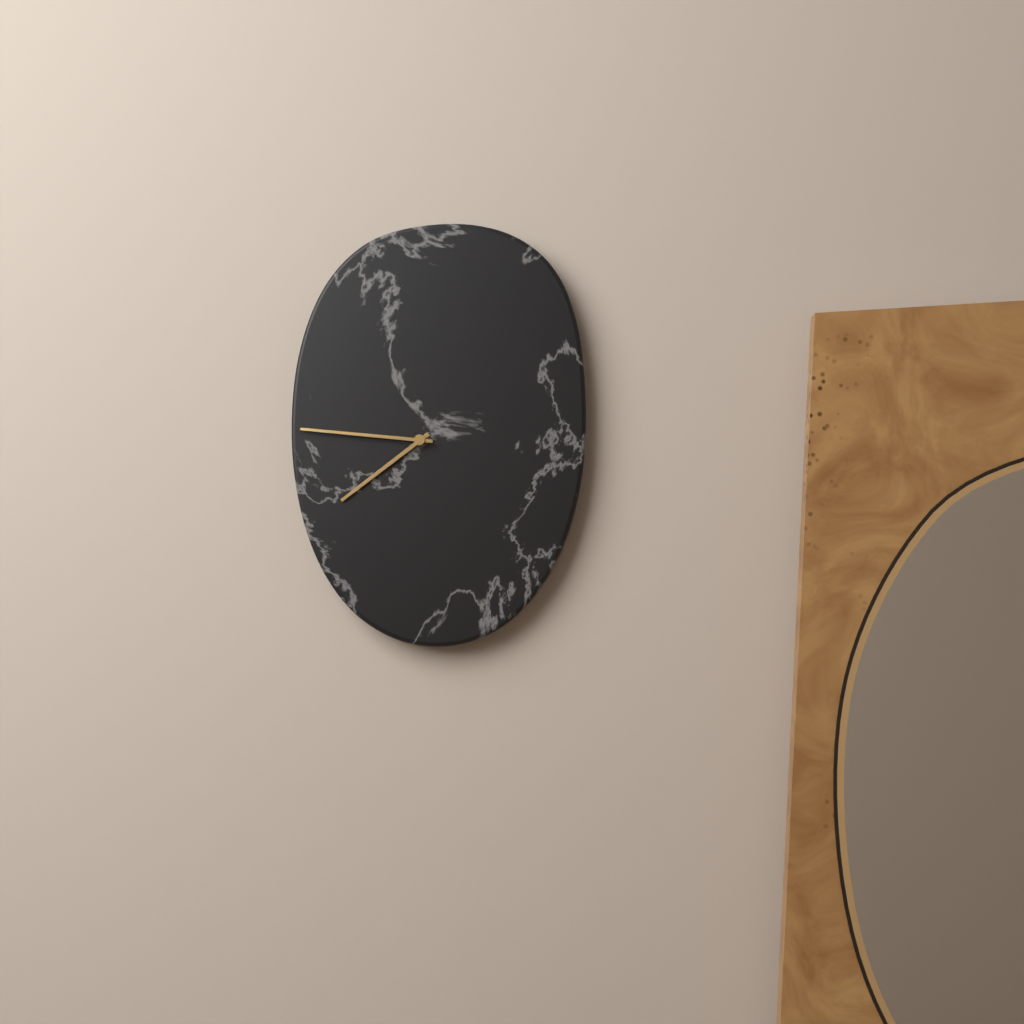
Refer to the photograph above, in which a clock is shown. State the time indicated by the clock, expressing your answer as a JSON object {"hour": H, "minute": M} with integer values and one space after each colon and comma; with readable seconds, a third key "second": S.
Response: {"hour": 7, "minute": 46}
